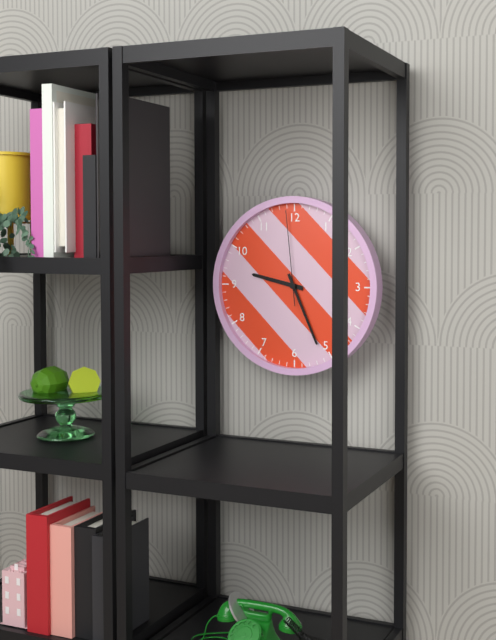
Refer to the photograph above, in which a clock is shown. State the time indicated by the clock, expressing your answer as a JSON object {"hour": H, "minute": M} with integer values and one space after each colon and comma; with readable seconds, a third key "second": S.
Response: {"hour": 9, "minute": 26, "second": 59}
